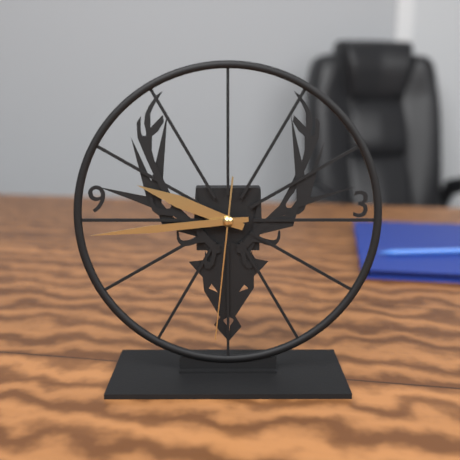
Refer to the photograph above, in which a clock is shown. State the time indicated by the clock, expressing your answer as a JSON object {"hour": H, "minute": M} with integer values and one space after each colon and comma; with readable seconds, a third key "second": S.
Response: {"hour": 9, "minute": 44, "second": 31}
